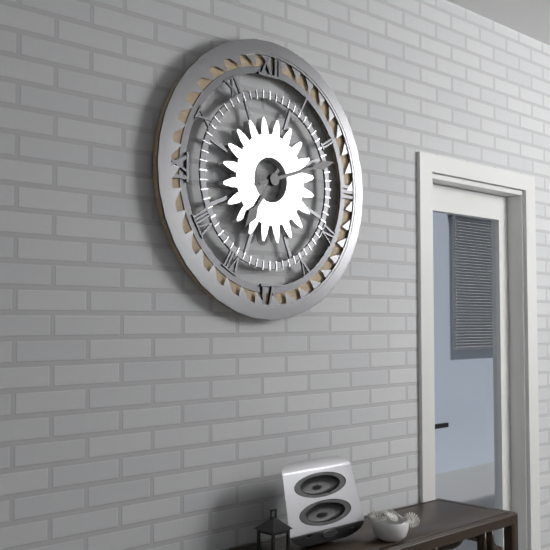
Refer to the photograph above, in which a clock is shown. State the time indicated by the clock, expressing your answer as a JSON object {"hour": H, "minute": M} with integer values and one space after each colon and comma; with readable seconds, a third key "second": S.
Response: {"hour": 7, "minute": 12}
